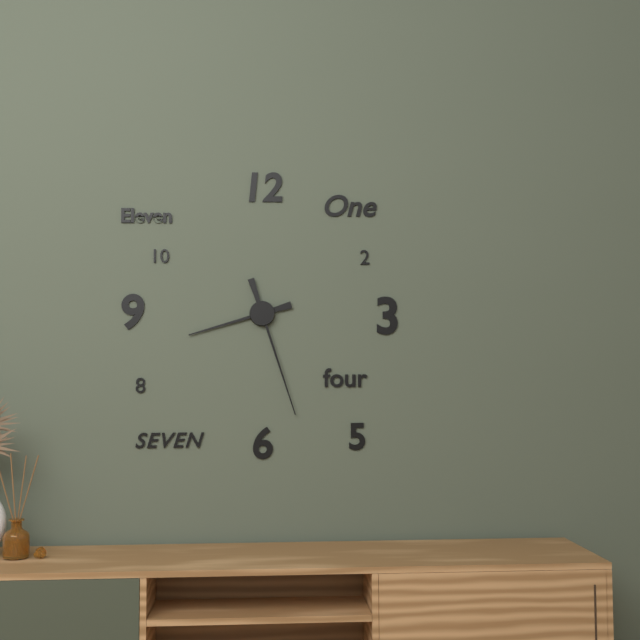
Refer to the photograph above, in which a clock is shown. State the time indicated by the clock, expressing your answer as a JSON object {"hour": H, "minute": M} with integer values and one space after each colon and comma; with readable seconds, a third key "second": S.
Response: {"hour": 8, "minute": 27}
